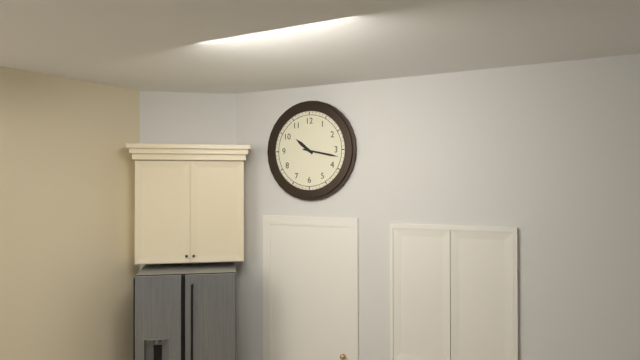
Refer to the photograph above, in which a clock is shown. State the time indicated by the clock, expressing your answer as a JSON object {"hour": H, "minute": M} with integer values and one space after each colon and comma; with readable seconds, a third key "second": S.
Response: {"hour": 10, "minute": 17}
